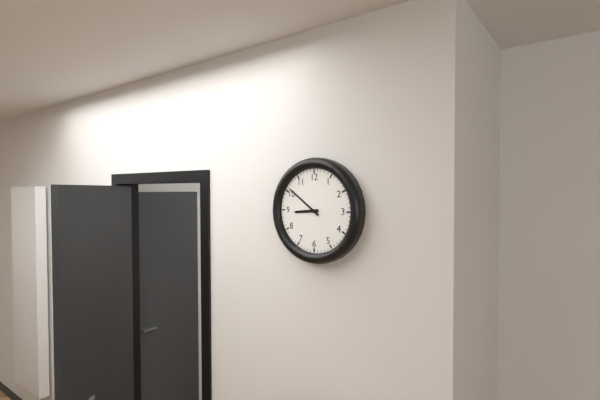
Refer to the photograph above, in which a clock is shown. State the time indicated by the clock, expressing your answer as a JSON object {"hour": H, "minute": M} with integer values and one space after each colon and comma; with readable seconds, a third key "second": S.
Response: {"hour": 8, "minute": 51}
